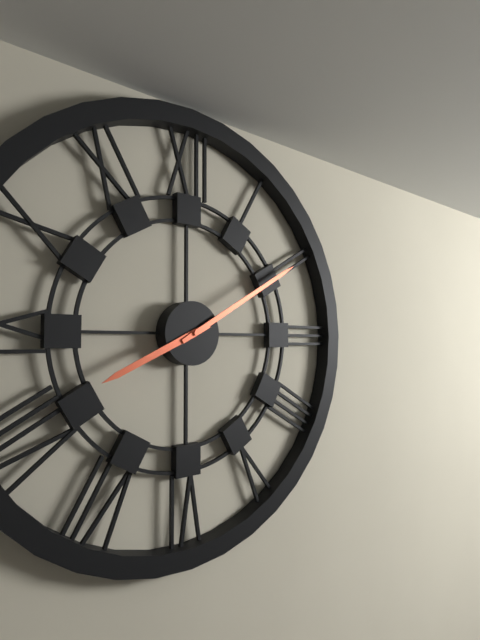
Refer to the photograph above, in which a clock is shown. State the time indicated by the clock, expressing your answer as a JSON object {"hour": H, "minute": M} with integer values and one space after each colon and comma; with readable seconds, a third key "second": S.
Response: {"hour": 8, "minute": 10}
